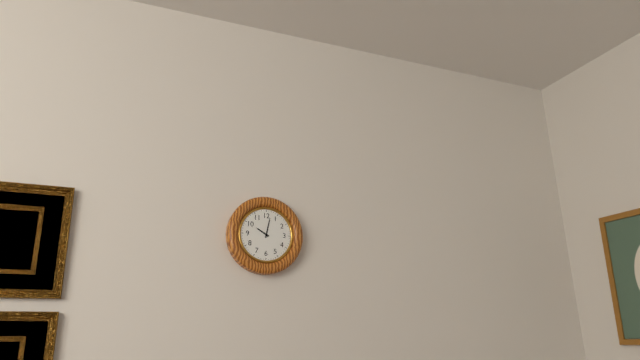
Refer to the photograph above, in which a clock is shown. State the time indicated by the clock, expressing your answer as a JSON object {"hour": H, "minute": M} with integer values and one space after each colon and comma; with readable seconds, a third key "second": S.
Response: {"hour": 10, "minute": 2}
